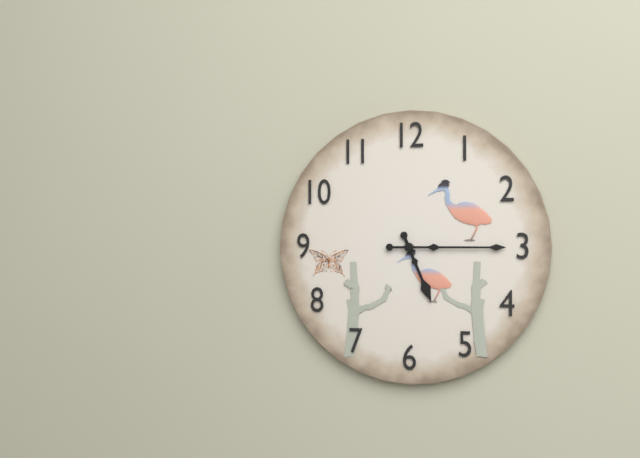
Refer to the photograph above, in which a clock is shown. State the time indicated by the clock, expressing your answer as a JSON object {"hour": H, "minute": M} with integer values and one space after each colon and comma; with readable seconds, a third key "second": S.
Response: {"hour": 5, "minute": 15}
